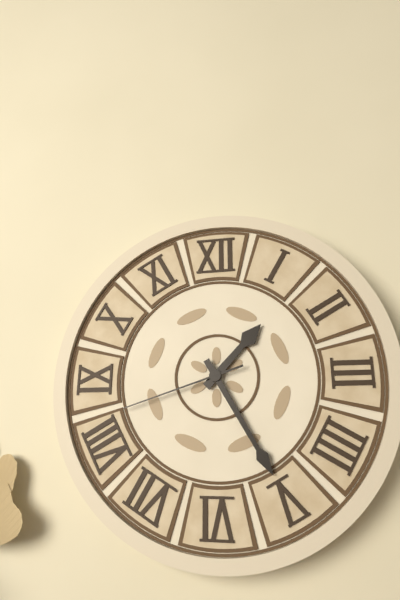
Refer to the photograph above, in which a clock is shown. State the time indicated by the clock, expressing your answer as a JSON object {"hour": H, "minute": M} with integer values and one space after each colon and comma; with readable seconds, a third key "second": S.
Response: {"hour": 1, "minute": 25, "second": 42}
